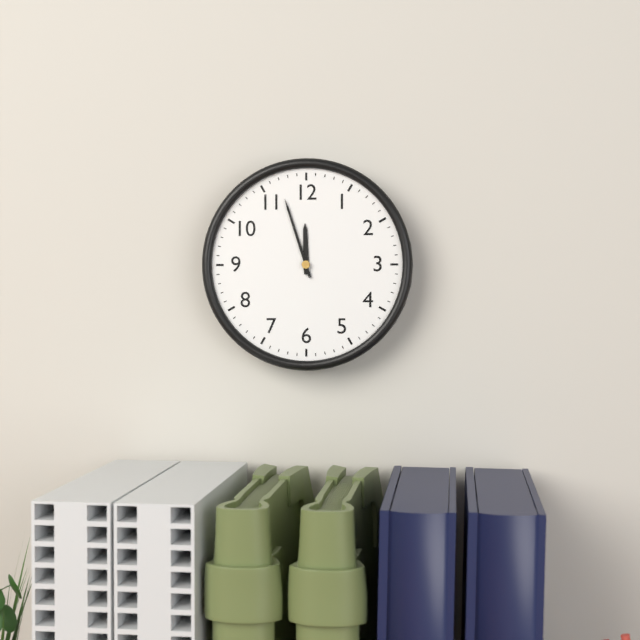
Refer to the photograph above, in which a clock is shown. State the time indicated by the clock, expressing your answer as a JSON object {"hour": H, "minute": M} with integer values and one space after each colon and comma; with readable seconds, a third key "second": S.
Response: {"hour": 11, "minute": 57}
